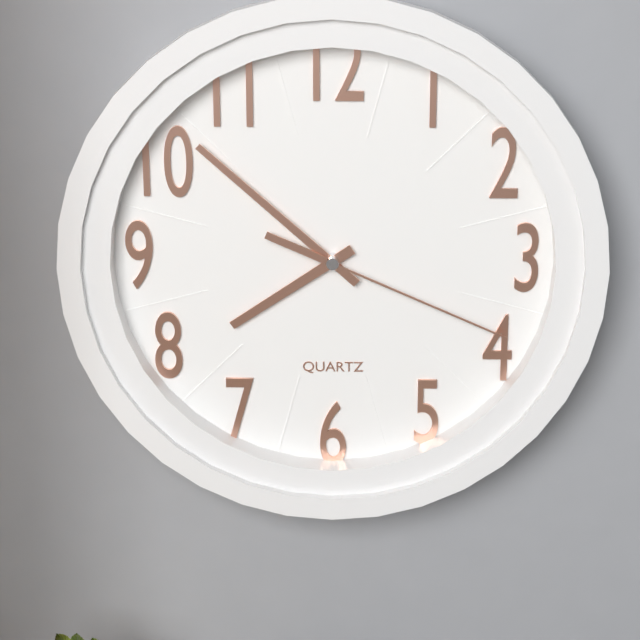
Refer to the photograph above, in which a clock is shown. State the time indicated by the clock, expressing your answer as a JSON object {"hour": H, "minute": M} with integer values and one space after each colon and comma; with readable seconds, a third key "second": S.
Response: {"hour": 7, "minute": 52, "second": 19}
